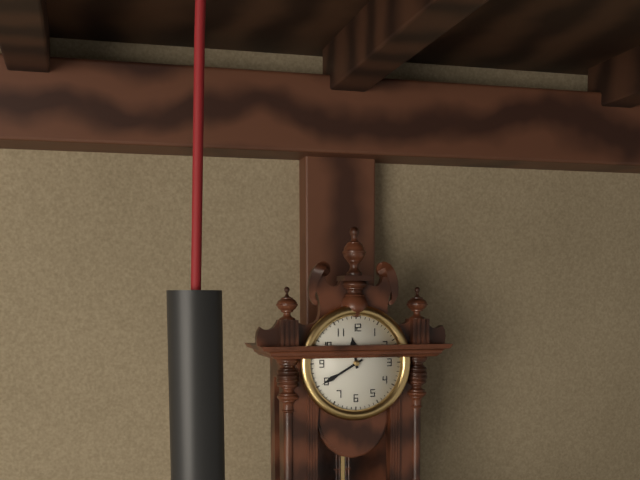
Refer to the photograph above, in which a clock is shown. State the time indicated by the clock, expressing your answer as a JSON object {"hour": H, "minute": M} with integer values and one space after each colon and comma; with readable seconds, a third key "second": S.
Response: {"hour": 11, "minute": 40}
